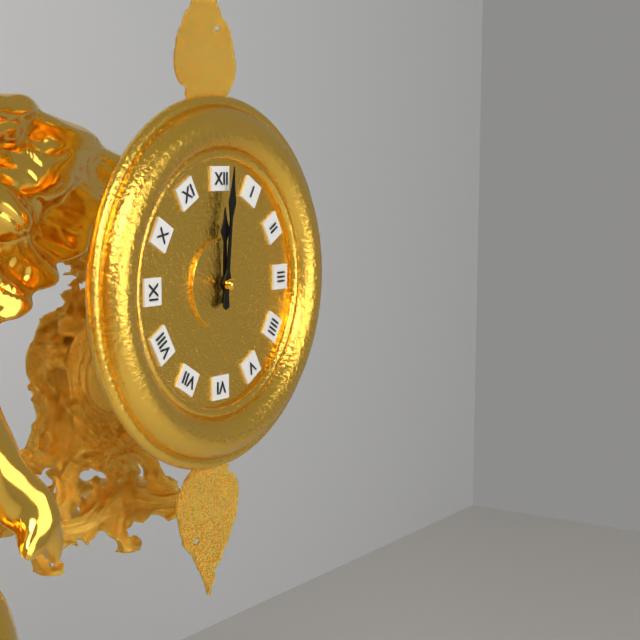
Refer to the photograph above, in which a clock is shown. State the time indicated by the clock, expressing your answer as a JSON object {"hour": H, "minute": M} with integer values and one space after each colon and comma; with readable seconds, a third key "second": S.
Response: {"hour": 12, "minute": 1}
